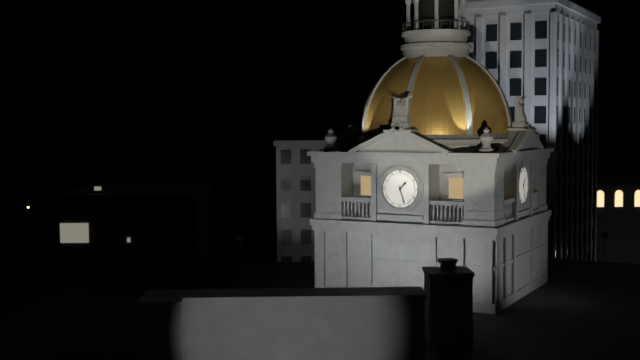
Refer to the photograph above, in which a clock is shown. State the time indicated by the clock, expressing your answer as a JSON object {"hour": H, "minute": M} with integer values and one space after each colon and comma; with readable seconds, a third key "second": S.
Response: {"hour": 1, "minute": 27}
